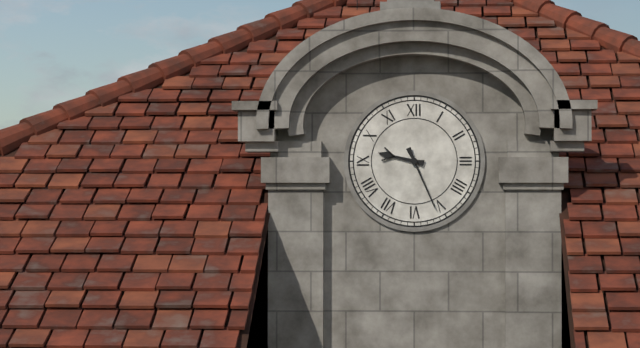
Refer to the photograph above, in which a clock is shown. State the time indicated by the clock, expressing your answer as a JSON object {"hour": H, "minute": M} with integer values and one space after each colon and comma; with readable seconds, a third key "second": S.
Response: {"hour": 9, "minute": 26}
